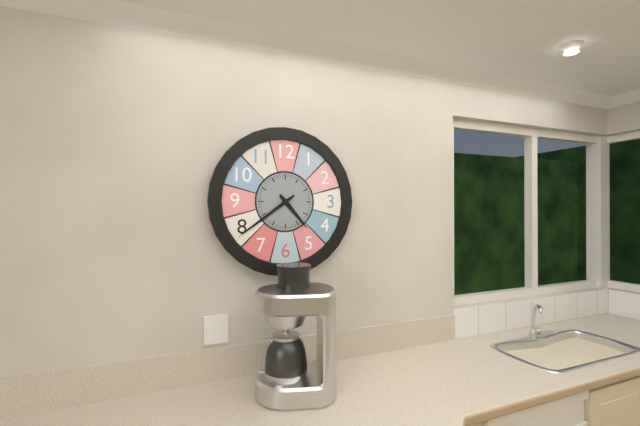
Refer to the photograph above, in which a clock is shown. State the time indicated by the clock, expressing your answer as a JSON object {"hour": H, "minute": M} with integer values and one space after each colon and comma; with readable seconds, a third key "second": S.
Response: {"hour": 4, "minute": 39}
